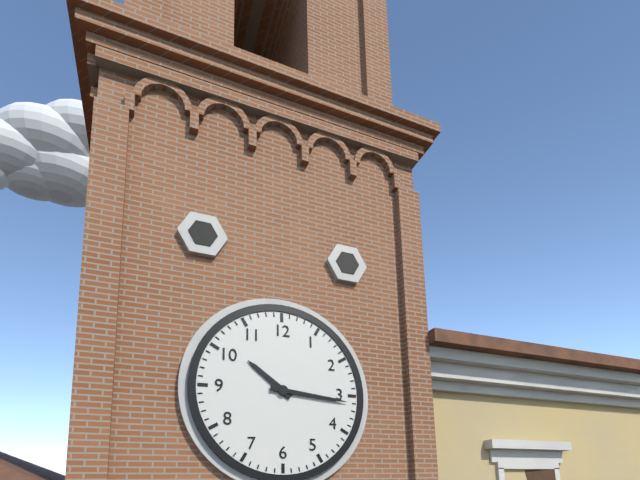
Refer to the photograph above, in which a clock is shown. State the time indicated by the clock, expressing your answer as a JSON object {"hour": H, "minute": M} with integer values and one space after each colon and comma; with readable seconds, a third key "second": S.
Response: {"hour": 10, "minute": 16}
